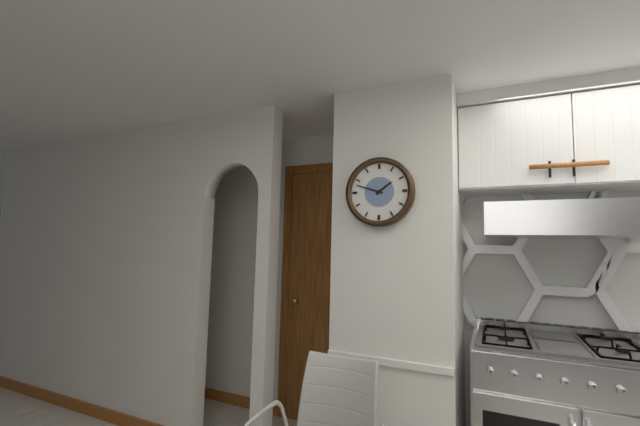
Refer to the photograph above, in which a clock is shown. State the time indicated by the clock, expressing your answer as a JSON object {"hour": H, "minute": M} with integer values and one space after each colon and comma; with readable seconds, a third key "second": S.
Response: {"hour": 1, "minute": 48}
